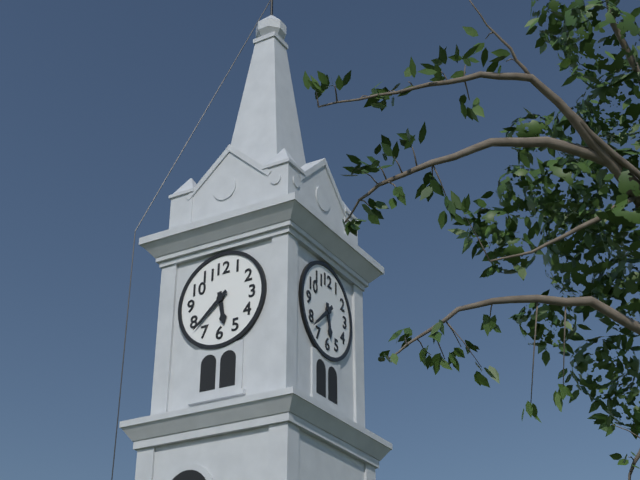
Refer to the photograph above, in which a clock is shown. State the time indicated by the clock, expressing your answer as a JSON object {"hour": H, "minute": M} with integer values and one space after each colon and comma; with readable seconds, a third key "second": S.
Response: {"hour": 5, "minute": 38}
